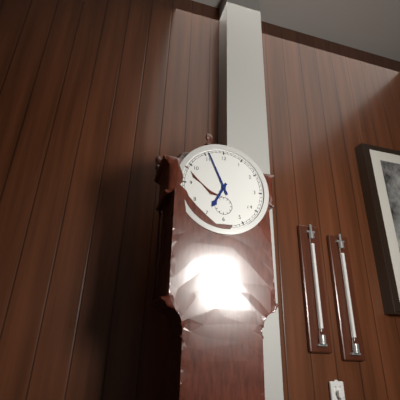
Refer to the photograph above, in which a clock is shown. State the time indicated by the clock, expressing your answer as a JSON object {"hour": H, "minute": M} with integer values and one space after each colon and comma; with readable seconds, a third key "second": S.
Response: {"hour": 6, "minute": 56}
